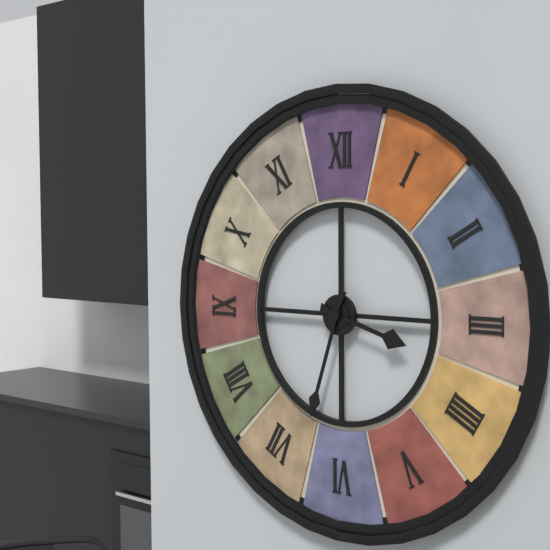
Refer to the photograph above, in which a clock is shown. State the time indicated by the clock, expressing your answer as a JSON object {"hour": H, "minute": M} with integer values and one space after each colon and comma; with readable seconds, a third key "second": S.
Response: {"hour": 3, "minute": 33}
